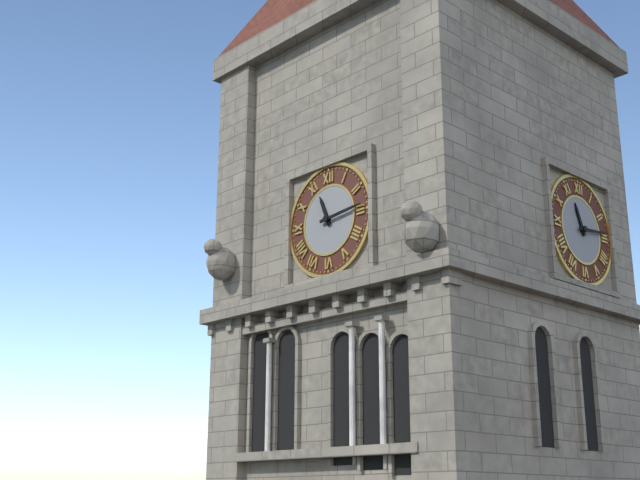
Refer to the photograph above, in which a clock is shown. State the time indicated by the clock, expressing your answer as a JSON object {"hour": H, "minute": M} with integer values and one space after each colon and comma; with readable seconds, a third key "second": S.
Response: {"hour": 11, "minute": 14}
